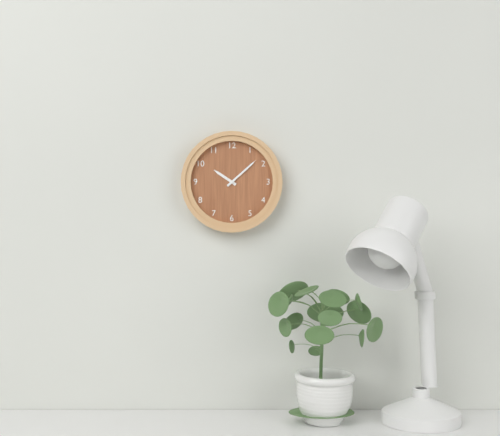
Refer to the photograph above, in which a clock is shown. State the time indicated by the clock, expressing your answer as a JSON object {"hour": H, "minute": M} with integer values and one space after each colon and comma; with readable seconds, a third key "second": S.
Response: {"hour": 10, "minute": 8}
